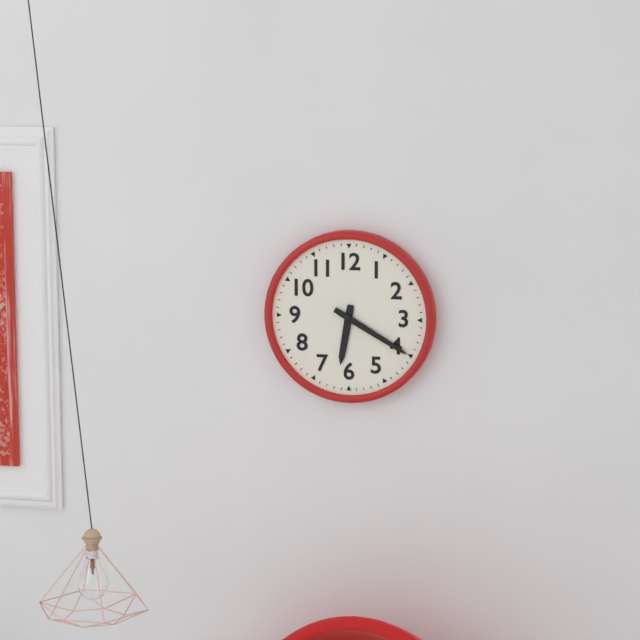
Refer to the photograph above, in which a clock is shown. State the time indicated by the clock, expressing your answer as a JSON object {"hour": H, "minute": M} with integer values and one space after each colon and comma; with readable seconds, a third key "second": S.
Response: {"hour": 6, "minute": 20}
